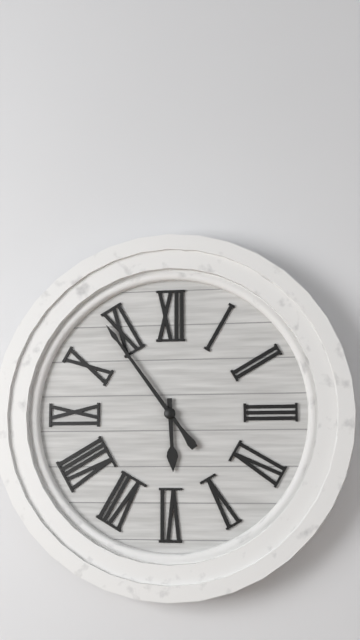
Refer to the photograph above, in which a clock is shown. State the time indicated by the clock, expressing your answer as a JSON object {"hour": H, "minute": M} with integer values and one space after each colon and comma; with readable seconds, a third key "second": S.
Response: {"hour": 5, "minute": 54}
